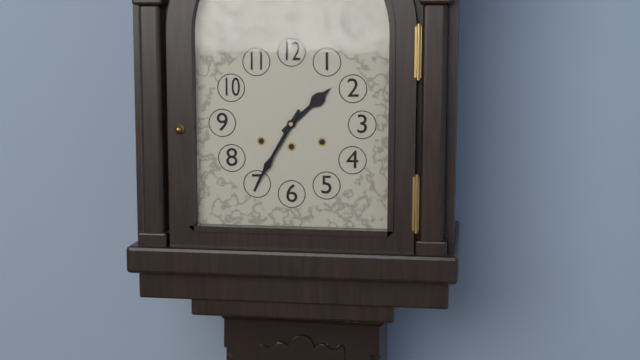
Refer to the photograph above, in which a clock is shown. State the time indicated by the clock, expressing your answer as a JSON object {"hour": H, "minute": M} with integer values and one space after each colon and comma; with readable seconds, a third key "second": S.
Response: {"hour": 1, "minute": 35}
